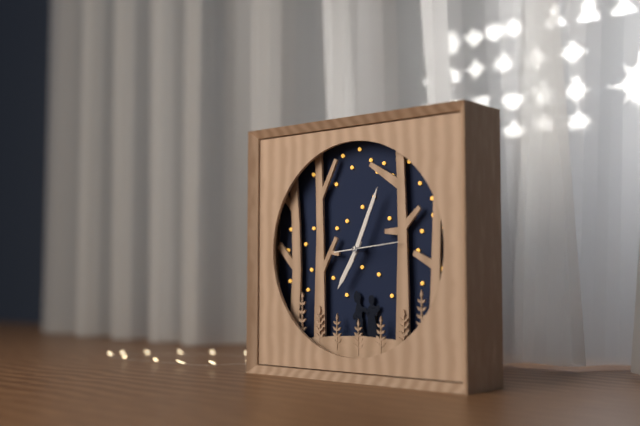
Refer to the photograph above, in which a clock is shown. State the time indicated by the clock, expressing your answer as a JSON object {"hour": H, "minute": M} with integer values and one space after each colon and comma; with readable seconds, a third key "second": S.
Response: {"hour": 7, "minute": 4}
